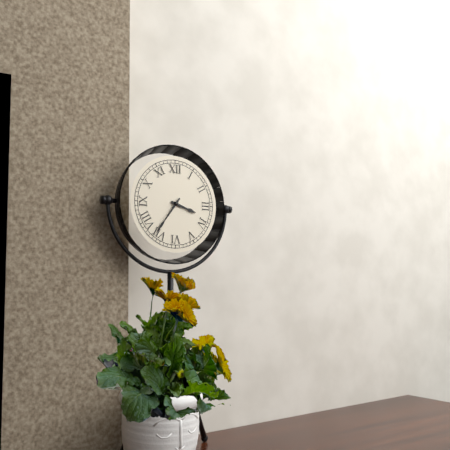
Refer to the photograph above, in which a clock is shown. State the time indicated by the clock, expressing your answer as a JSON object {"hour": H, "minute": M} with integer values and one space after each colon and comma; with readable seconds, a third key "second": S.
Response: {"hour": 3, "minute": 36}
